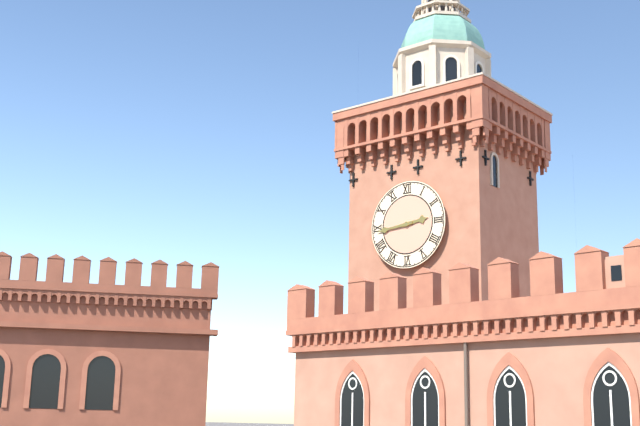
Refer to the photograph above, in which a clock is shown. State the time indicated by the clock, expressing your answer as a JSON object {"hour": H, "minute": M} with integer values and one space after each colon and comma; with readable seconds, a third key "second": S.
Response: {"hour": 2, "minute": 44}
